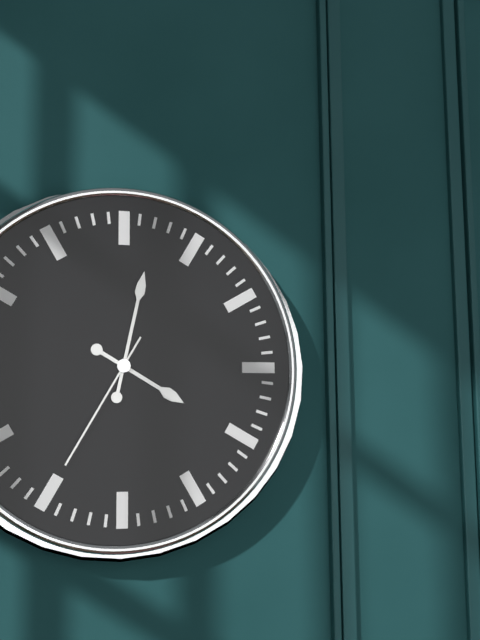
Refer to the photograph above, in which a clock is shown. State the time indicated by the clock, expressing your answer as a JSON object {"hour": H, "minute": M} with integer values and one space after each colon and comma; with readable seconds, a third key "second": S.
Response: {"hour": 4, "minute": 2, "second": 35}
